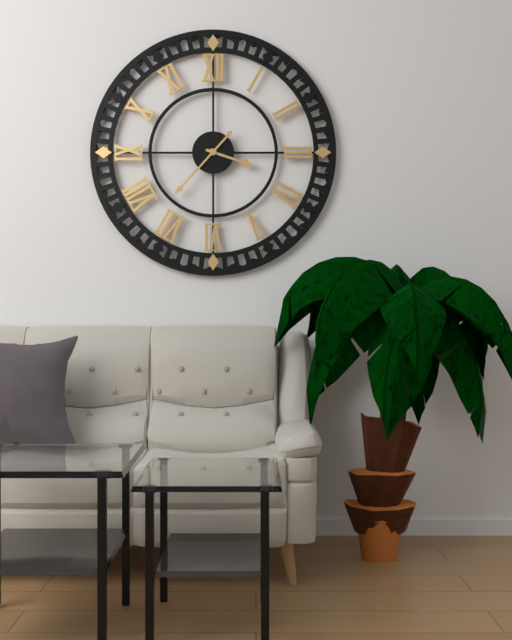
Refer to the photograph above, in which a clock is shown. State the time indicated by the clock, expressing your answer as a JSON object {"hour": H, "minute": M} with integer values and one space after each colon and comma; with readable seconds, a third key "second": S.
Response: {"hour": 3, "minute": 37}
